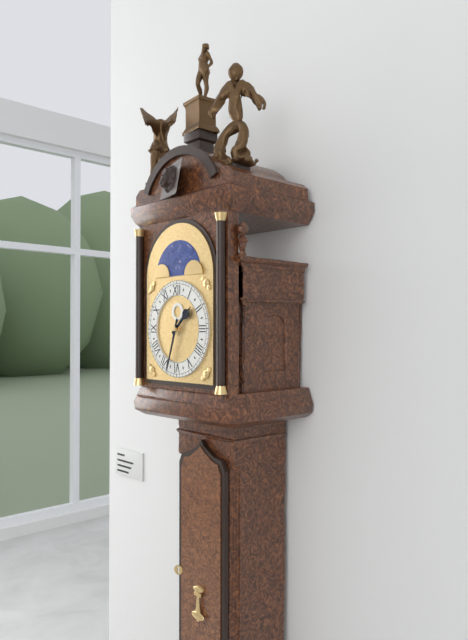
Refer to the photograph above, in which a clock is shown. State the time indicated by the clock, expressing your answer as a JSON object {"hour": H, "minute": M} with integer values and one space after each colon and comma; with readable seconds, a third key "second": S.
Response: {"hour": 1, "minute": 33}
